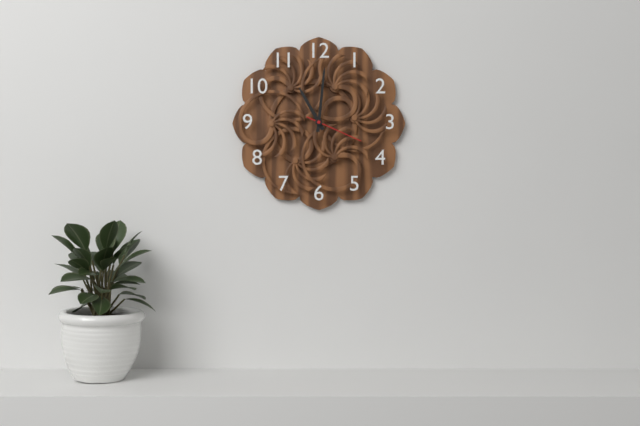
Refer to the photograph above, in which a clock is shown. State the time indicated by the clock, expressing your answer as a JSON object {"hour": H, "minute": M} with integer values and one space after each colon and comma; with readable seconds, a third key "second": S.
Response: {"hour": 11, "minute": 1, "second": 19}
